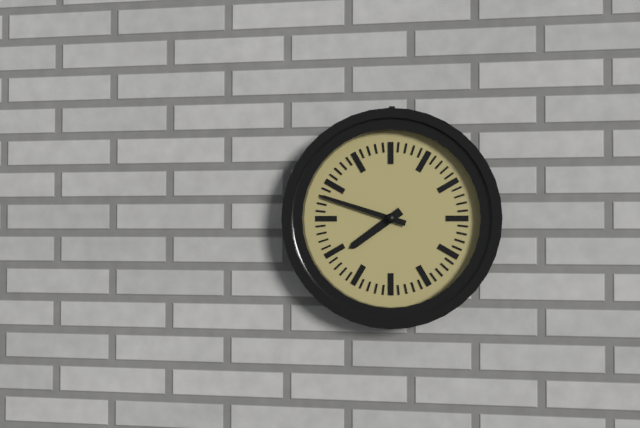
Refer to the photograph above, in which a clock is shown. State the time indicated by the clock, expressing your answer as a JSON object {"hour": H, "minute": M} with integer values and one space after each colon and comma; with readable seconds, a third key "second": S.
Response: {"hour": 7, "minute": 48}
